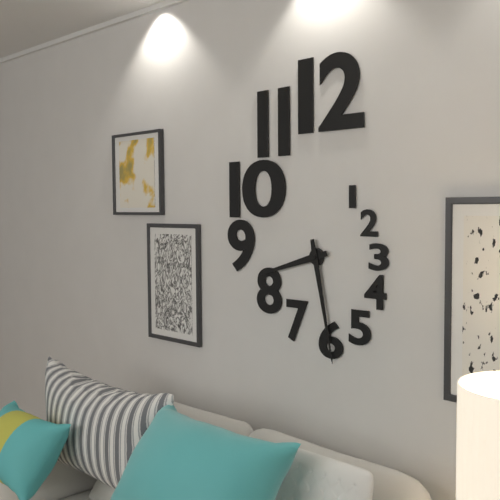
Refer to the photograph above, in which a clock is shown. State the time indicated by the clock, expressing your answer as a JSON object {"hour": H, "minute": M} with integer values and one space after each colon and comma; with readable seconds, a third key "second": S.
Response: {"hour": 8, "minute": 28}
